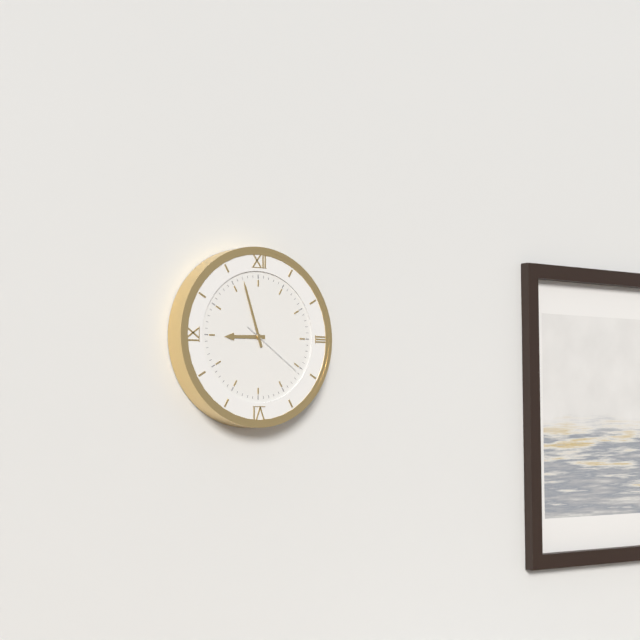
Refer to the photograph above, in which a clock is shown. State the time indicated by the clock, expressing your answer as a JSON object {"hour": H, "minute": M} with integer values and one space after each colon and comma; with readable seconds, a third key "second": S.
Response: {"hour": 8, "minute": 57, "second": 21}
